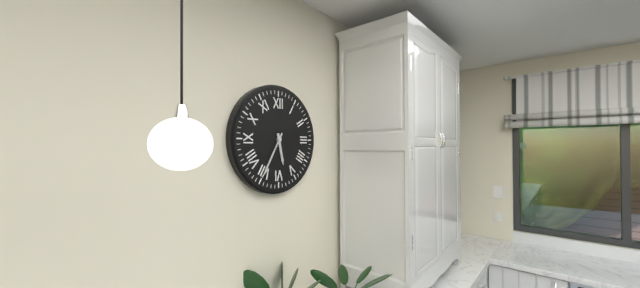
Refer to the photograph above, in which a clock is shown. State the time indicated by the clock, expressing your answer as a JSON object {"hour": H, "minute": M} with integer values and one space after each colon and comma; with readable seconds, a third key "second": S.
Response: {"hour": 5, "minute": 35}
